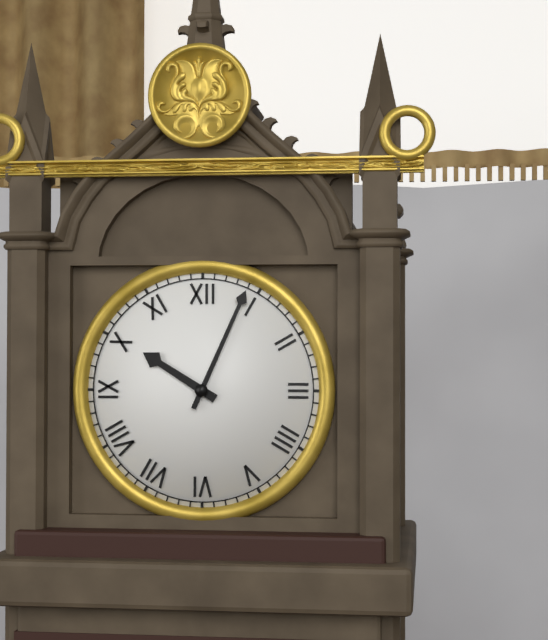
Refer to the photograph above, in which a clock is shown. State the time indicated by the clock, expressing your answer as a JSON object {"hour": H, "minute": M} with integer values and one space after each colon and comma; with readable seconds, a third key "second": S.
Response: {"hour": 10, "minute": 4}
